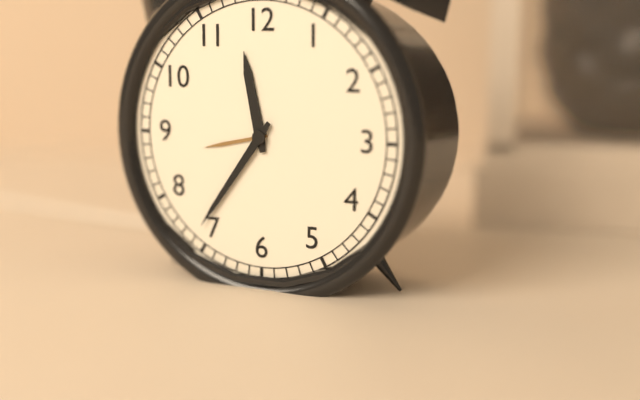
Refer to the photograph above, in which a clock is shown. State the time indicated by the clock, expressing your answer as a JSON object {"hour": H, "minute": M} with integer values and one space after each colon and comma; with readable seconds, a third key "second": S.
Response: {"hour": 11, "minute": 36}
